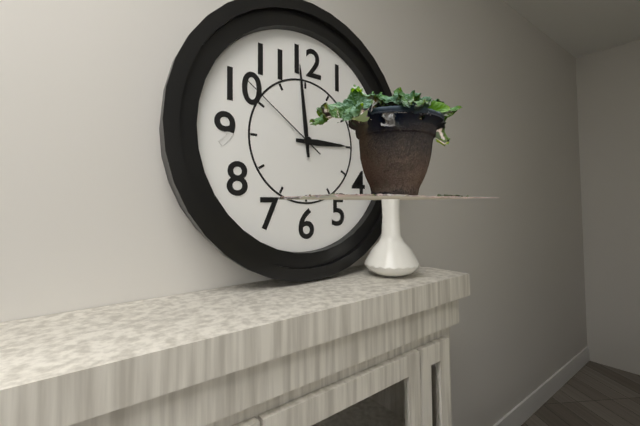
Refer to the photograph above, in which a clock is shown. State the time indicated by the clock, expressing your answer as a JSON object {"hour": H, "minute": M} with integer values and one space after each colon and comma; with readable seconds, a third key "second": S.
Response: {"hour": 2, "minute": 59, "second": 51}
